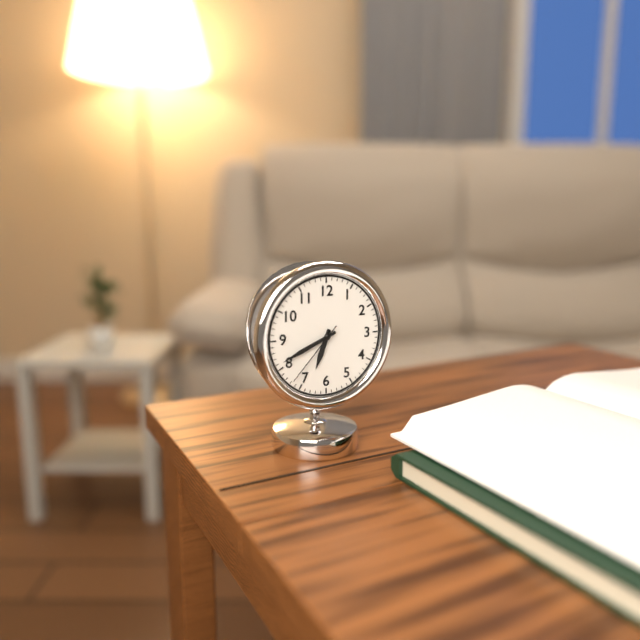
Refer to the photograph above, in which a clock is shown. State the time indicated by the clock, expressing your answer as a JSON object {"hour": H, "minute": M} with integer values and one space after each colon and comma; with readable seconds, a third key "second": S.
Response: {"hour": 6, "minute": 41, "second": 37}
